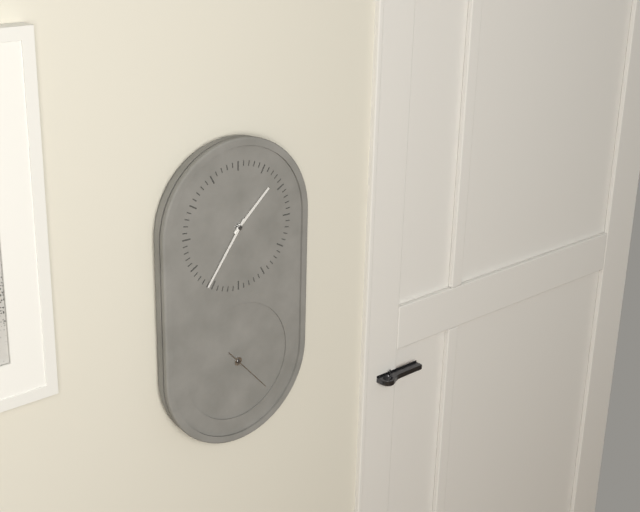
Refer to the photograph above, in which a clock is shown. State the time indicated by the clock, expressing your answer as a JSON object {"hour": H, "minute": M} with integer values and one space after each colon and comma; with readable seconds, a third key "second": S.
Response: {"hour": 1, "minute": 36}
